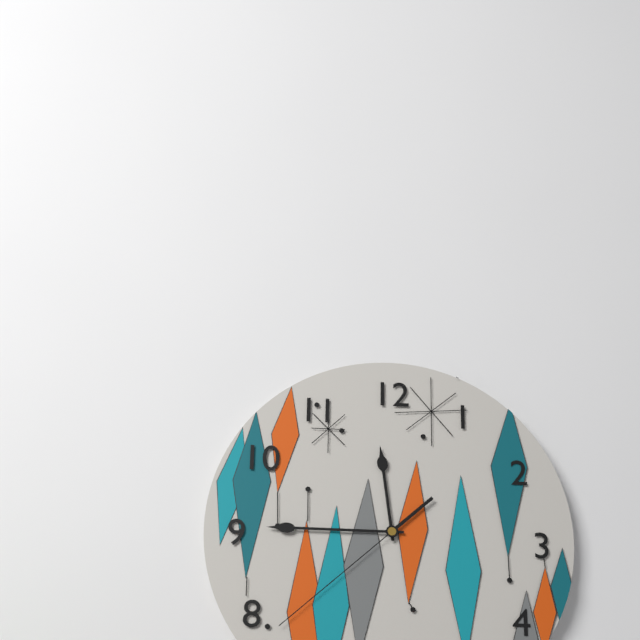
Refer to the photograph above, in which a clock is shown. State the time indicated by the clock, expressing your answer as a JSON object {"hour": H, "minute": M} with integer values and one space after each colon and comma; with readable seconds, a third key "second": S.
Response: {"hour": 11, "minute": 45, "second": 38}
